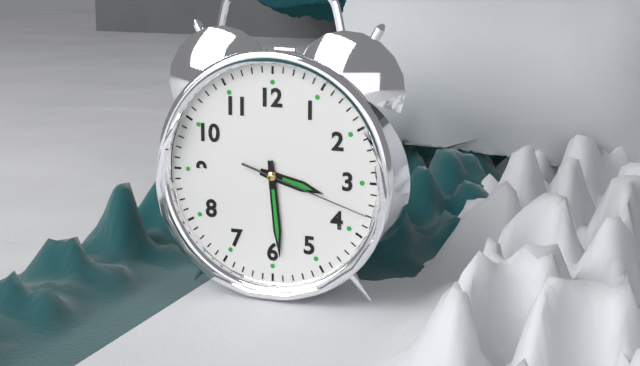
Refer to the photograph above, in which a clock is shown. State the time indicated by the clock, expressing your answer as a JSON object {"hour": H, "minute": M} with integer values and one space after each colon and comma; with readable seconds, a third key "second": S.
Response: {"hour": 3, "minute": 29, "second": 18}
